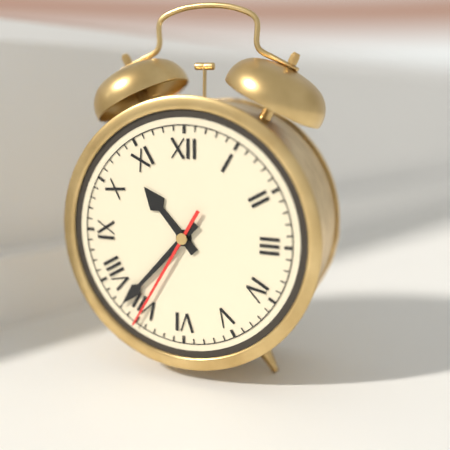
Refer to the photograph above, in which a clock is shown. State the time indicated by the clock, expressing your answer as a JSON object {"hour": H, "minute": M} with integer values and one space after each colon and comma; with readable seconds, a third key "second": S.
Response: {"hour": 10, "minute": 37, "second": 35}
